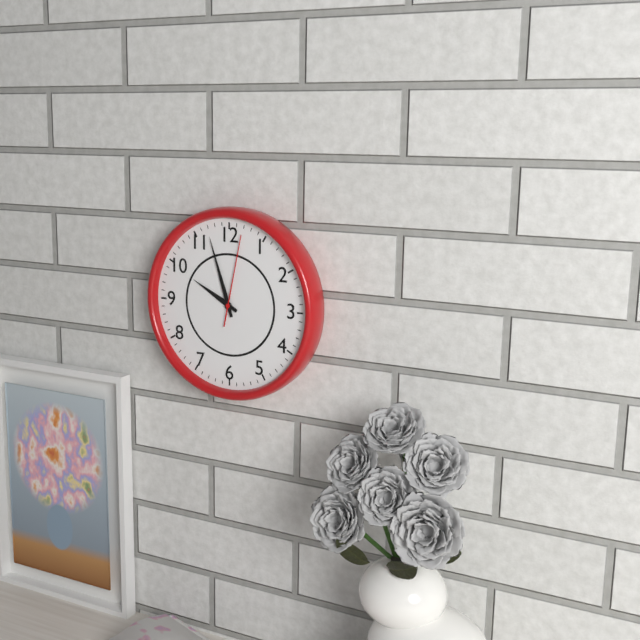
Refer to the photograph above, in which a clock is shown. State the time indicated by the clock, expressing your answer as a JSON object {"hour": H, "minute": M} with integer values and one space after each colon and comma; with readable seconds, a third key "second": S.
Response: {"hour": 9, "minute": 57, "second": 2}
